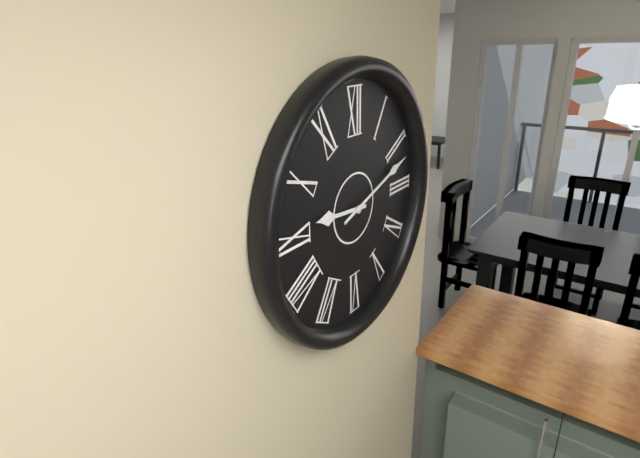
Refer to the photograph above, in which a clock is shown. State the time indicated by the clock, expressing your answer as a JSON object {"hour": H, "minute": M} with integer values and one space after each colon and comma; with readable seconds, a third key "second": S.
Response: {"hour": 9, "minute": 12}
